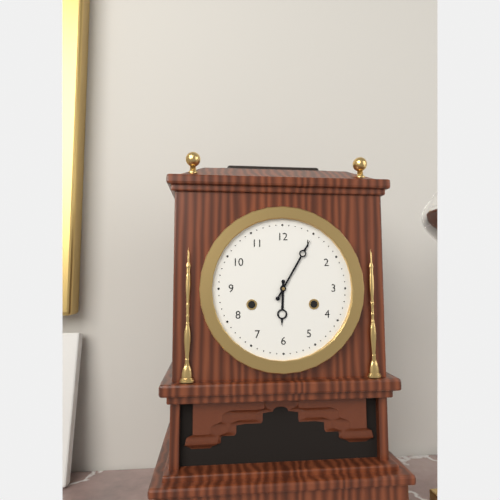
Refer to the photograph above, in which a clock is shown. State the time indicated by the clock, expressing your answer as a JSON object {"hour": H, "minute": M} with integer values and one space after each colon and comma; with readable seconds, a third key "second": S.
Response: {"hour": 6, "minute": 5}
